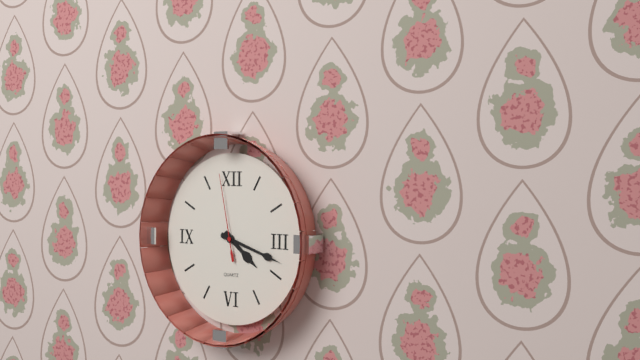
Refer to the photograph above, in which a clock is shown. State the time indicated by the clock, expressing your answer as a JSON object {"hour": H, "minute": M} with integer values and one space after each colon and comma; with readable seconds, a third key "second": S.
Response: {"hour": 4, "minute": 18, "second": 58}
